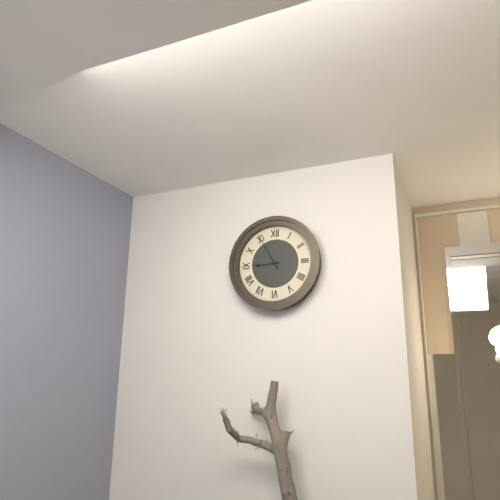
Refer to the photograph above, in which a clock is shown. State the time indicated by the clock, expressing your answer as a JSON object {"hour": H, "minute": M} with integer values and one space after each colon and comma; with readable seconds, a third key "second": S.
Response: {"hour": 8, "minute": 55}
